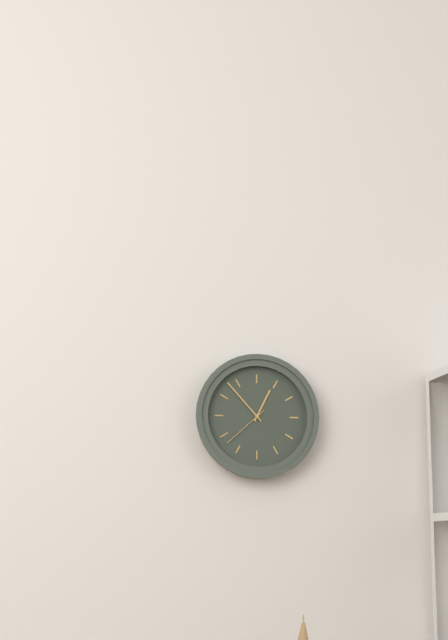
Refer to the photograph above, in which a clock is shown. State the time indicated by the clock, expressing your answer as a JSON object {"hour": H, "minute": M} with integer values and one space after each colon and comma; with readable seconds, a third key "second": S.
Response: {"hour": 12, "minute": 53}
